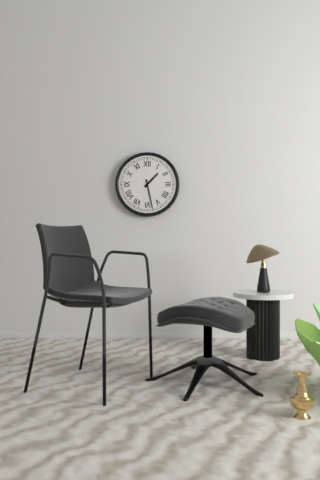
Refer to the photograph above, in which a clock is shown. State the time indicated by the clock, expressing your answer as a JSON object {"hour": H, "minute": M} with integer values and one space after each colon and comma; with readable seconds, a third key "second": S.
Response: {"hour": 1, "minute": 28}
